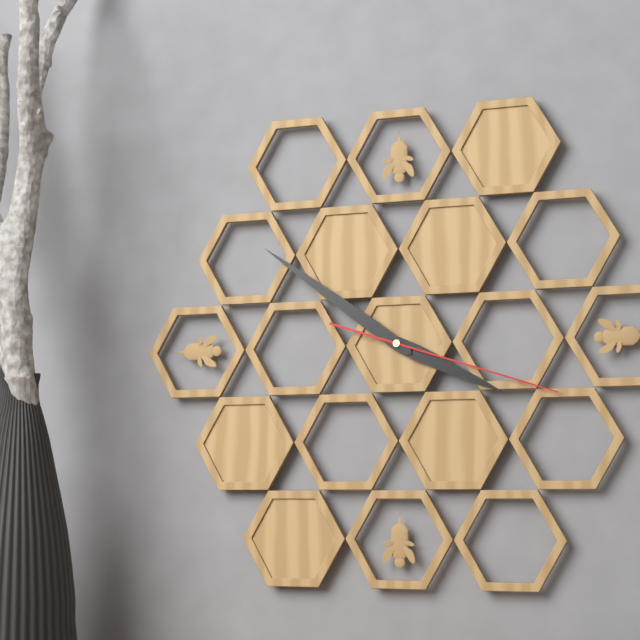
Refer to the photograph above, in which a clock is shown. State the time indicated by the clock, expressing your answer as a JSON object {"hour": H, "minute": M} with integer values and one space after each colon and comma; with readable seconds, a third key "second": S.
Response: {"hour": 3, "minute": 51, "second": 18}
